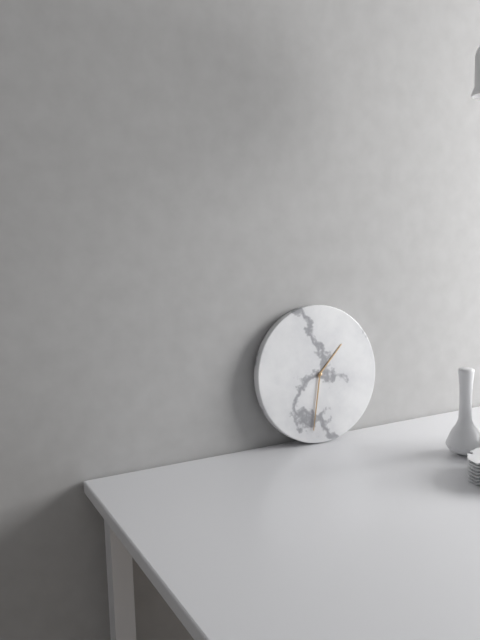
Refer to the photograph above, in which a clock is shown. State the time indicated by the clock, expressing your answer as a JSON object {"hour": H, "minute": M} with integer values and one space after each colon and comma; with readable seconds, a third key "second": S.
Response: {"hour": 1, "minute": 32}
